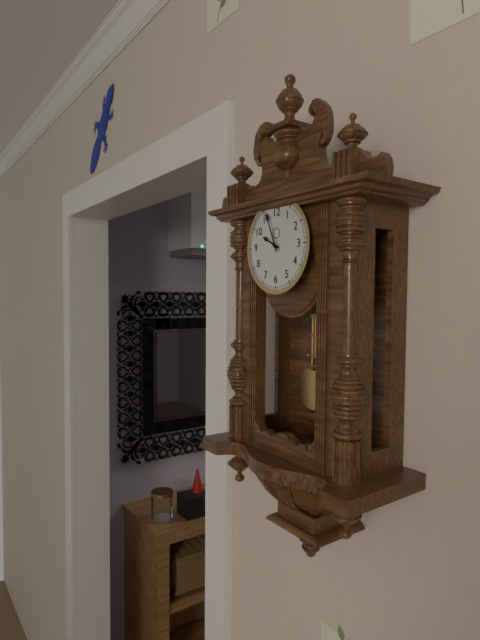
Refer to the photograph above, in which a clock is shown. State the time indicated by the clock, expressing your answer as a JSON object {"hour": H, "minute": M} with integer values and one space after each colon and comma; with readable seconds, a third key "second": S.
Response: {"hour": 9, "minute": 56}
